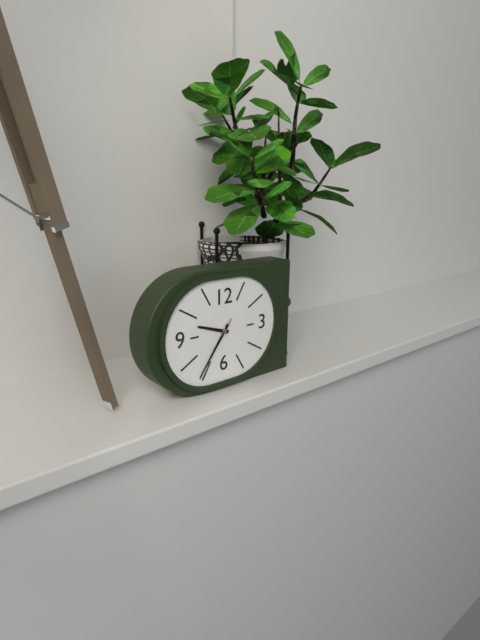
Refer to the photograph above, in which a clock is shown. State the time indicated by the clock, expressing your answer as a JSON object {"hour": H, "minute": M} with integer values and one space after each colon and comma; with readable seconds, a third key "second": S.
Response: {"hour": 9, "minute": 36, "second": 36}
